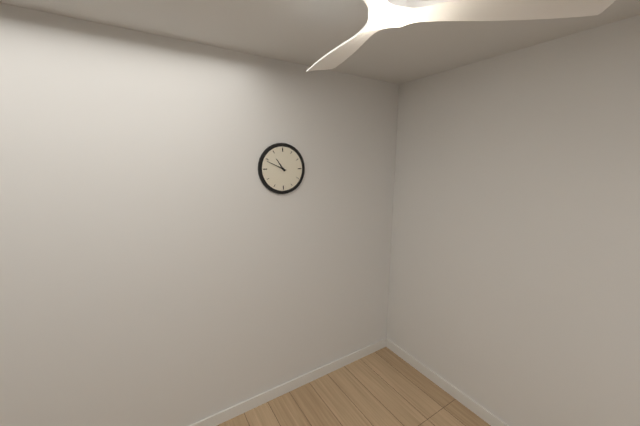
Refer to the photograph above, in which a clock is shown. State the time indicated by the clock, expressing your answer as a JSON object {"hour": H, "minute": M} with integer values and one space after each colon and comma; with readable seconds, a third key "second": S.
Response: {"hour": 10, "minute": 49}
